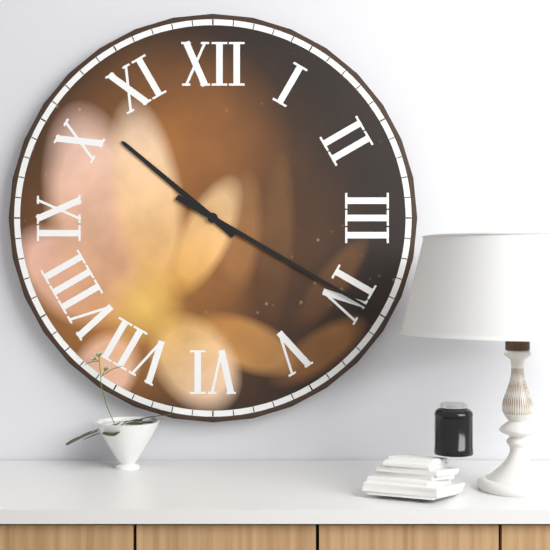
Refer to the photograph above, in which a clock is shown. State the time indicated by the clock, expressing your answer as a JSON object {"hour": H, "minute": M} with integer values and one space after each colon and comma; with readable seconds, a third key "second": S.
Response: {"hour": 10, "minute": 20}
